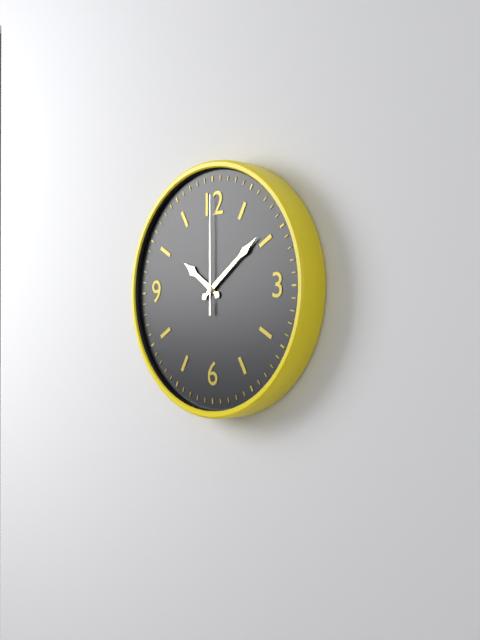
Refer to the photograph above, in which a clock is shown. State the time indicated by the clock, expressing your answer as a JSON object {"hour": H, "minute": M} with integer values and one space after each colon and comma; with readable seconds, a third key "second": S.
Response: {"hour": 10, "minute": 9, "second": 0}
